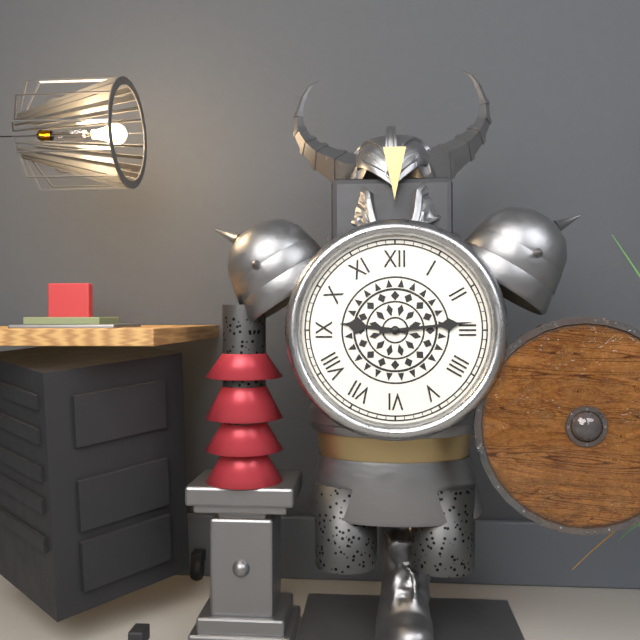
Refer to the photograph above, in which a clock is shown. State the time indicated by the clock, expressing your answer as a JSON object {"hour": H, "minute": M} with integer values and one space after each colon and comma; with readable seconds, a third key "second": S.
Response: {"hour": 9, "minute": 14}
